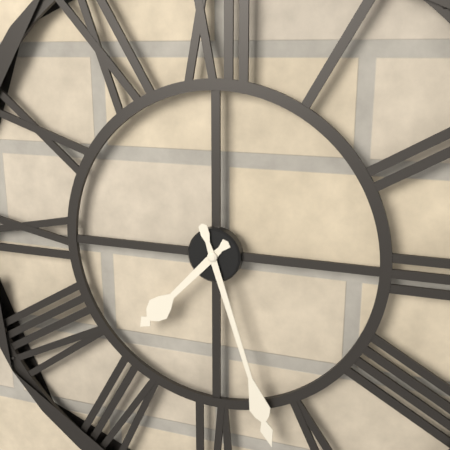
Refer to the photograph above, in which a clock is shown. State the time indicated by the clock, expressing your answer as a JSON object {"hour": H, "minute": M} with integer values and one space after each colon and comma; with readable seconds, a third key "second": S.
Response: {"hour": 7, "minute": 27}
